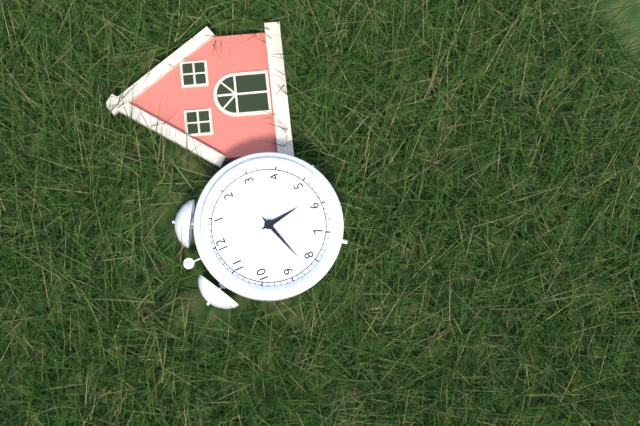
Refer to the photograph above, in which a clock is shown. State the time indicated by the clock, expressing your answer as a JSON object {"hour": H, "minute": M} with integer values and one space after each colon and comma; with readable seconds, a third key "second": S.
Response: {"hour": 5, "minute": 42}
